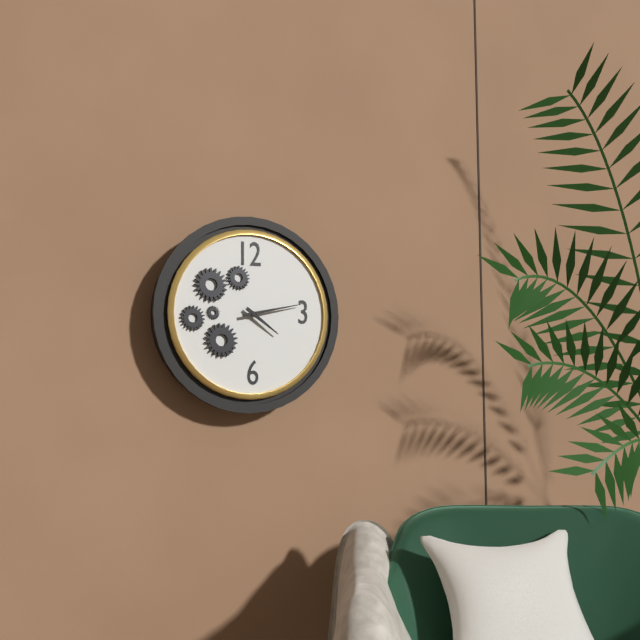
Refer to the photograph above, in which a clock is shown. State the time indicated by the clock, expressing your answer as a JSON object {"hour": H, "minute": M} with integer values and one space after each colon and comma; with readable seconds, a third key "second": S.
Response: {"hour": 4, "minute": 13}
